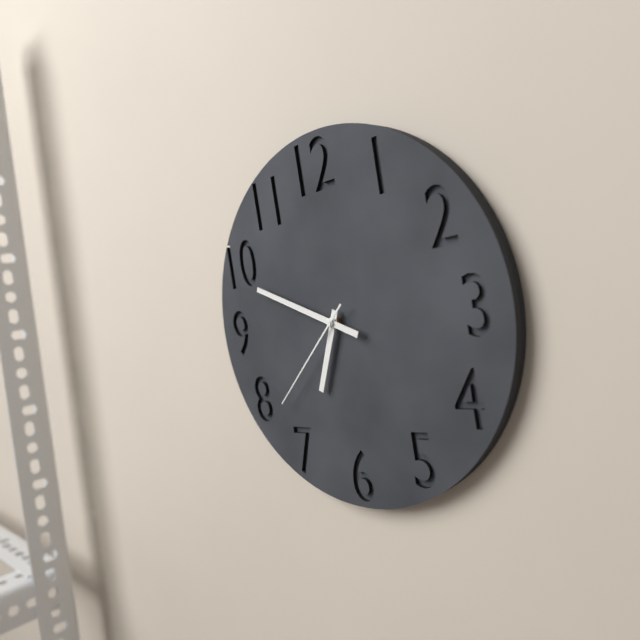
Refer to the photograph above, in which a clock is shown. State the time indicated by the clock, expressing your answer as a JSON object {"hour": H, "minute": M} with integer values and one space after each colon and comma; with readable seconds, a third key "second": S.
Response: {"hour": 6, "minute": 49, "second": 38}
